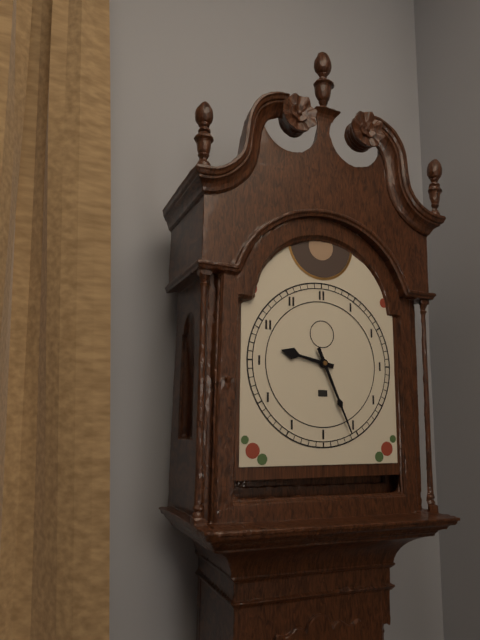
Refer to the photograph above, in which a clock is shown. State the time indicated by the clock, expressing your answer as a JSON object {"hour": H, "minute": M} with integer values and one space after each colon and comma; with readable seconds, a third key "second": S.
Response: {"hour": 9, "minute": 26}
